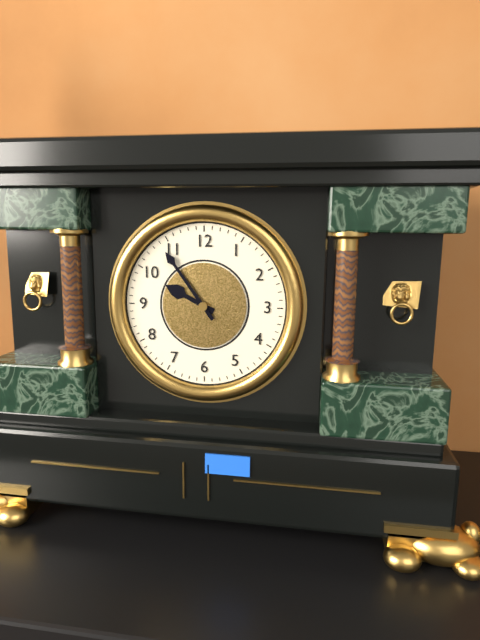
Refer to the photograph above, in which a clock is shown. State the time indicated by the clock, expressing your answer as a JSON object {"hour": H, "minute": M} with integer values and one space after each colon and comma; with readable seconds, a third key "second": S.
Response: {"hour": 9, "minute": 54}
